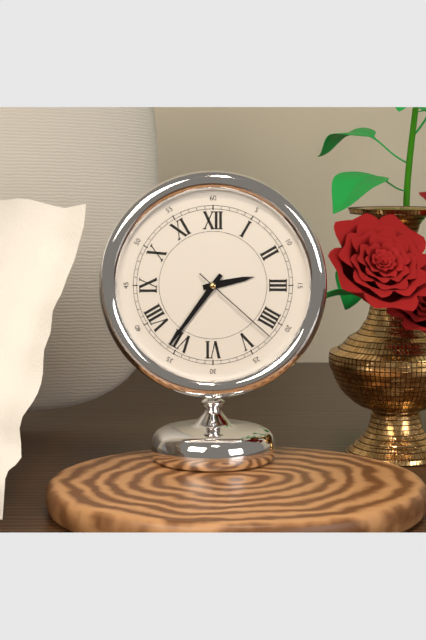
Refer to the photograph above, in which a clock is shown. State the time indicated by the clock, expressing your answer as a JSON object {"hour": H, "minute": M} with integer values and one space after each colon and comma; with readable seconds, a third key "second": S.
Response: {"hour": 2, "minute": 36, "second": 22}
